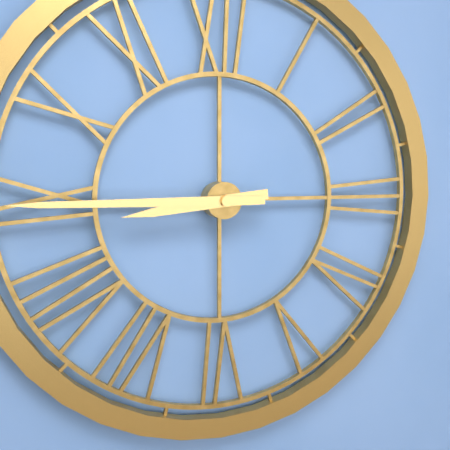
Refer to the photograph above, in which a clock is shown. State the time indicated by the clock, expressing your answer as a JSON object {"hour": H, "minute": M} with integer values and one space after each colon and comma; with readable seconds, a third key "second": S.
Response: {"hour": 8, "minute": 45}
